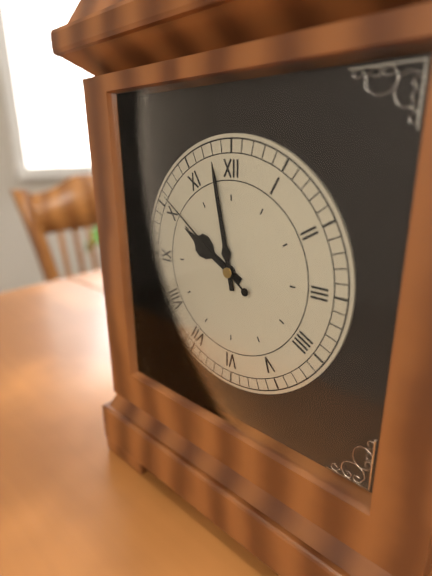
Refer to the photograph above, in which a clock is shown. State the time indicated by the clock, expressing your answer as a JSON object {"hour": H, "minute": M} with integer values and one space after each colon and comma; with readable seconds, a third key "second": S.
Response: {"hour": 9, "minute": 58, "second": 51}
